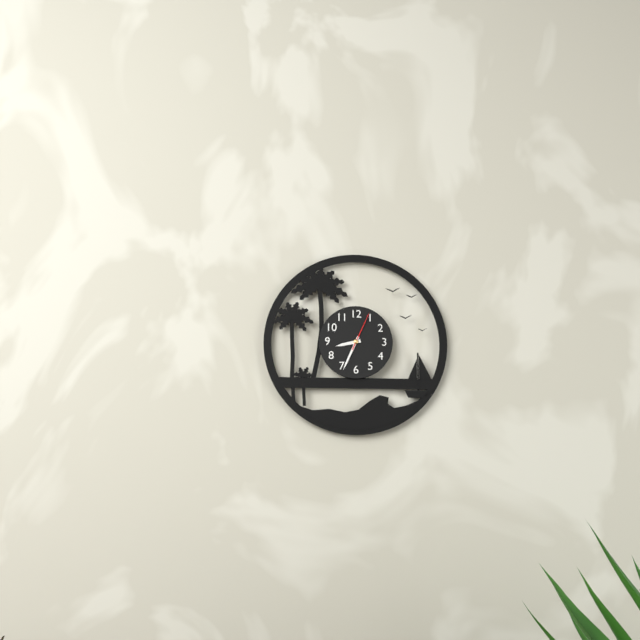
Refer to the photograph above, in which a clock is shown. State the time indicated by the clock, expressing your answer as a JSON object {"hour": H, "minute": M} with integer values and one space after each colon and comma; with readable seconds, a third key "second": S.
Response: {"hour": 8, "minute": 34}
